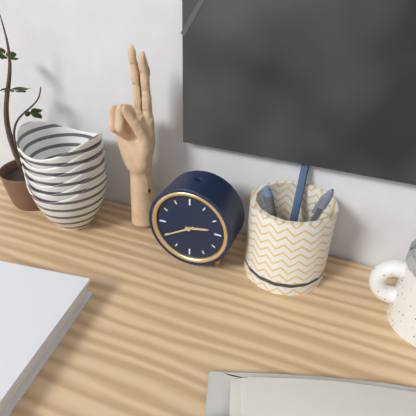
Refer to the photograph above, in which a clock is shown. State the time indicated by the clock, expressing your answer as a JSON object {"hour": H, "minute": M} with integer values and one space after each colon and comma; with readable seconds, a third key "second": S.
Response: {"hour": 2, "minute": 40}
